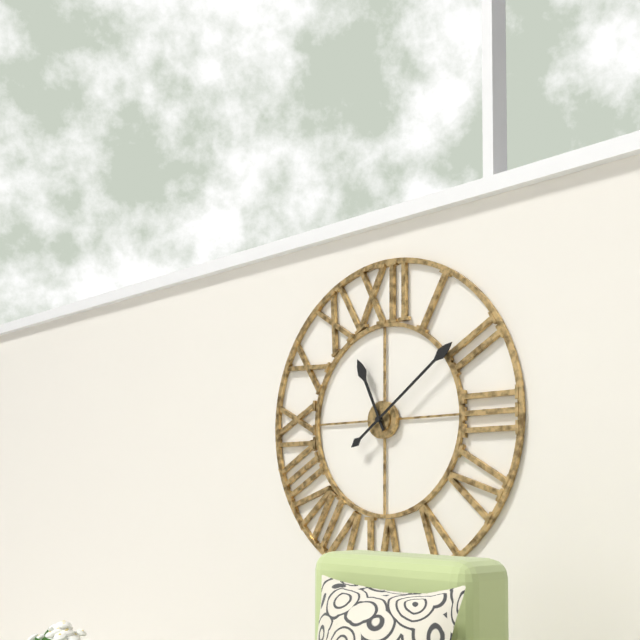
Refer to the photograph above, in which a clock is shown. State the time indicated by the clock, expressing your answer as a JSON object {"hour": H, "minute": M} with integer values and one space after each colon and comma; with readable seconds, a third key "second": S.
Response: {"hour": 11, "minute": 9}
